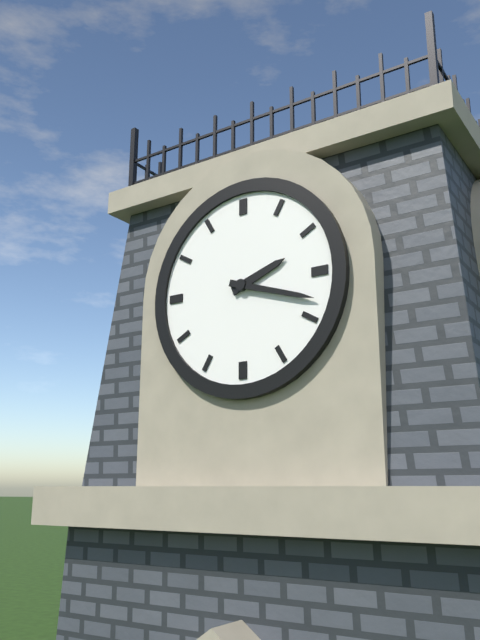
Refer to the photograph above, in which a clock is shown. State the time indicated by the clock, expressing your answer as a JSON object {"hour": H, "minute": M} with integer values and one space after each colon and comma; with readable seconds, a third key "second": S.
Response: {"hour": 2, "minute": 18}
